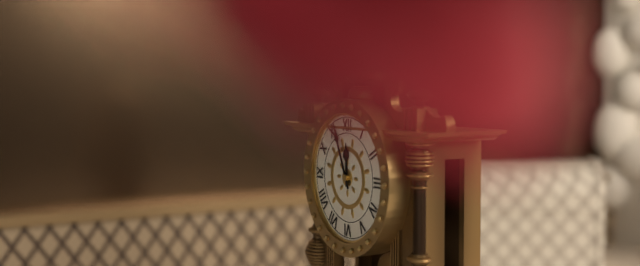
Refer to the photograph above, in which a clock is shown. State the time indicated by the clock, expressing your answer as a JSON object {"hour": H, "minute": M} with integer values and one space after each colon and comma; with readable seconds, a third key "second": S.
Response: {"hour": 11, "minute": 56}
